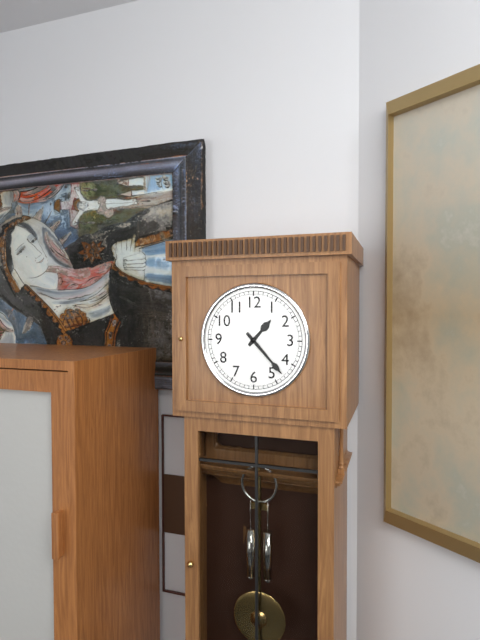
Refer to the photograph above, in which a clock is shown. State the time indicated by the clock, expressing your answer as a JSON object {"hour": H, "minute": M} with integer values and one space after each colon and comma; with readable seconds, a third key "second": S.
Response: {"hour": 1, "minute": 23}
